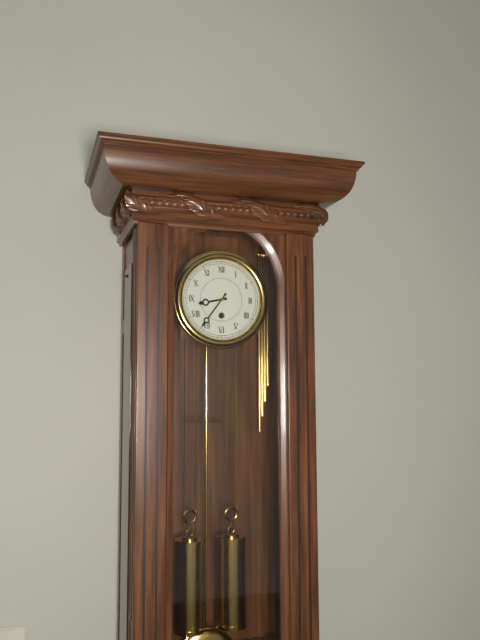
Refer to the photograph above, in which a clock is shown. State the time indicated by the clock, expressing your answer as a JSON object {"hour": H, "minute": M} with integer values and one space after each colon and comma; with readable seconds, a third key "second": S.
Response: {"hour": 8, "minute": 36}
